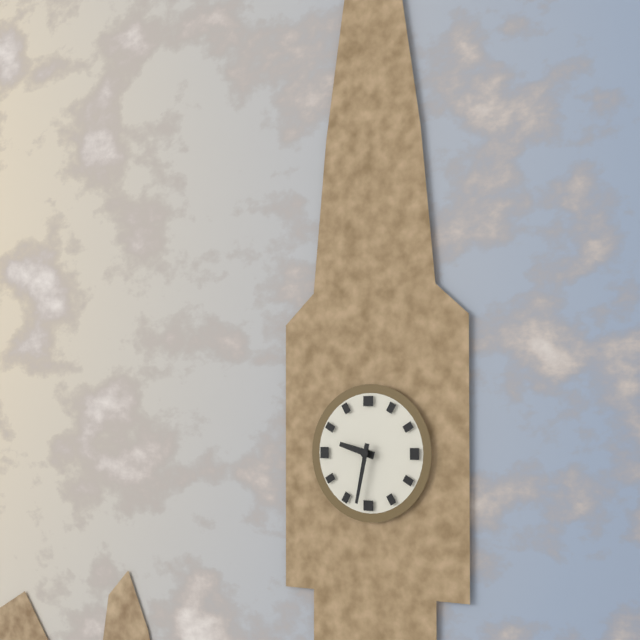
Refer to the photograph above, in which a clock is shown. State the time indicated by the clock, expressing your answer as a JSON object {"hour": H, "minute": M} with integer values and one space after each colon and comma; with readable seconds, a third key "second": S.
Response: {"hour": 9, "minute": 32}
